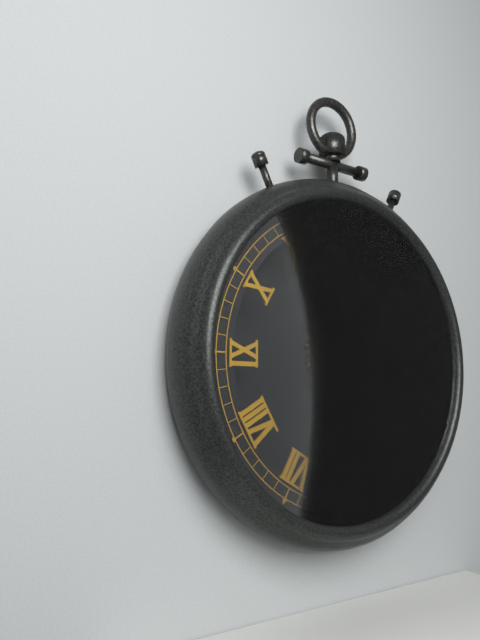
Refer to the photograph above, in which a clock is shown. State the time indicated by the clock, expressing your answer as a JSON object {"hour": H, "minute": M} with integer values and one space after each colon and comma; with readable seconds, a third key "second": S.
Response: {"hour": 6, "minute": 34, "second": 23}
